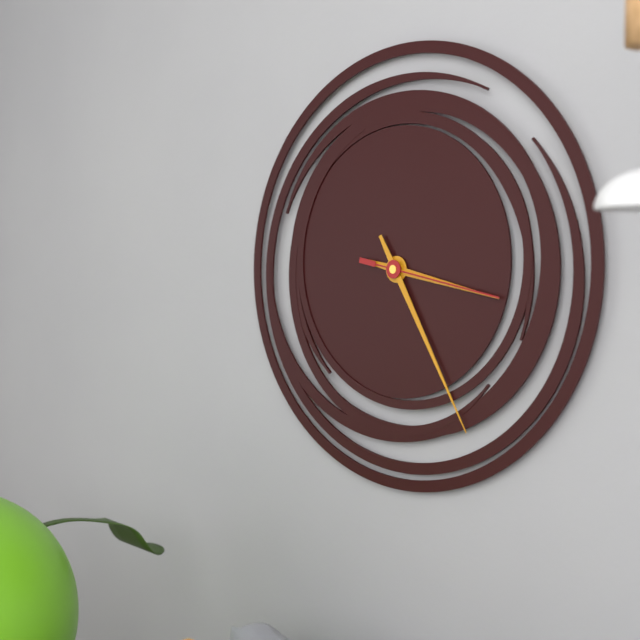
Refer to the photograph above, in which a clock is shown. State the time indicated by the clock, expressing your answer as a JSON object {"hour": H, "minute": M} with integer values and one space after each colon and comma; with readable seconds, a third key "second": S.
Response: {"hour": 3, "minute": 25, "second": 17}
